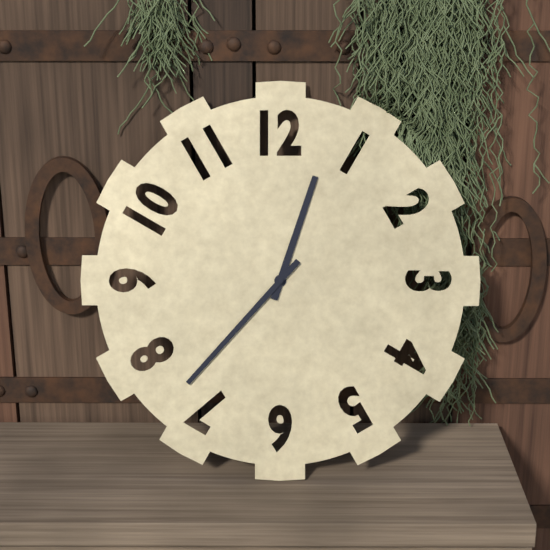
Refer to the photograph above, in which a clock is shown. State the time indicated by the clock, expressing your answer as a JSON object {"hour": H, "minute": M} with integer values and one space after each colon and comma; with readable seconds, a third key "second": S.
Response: {"hour": 12, "minute": 37}
